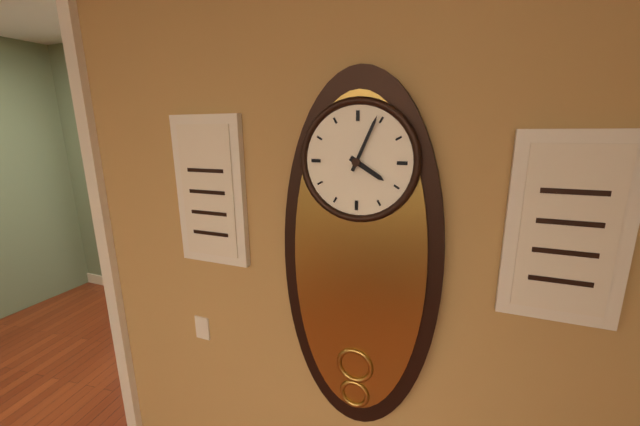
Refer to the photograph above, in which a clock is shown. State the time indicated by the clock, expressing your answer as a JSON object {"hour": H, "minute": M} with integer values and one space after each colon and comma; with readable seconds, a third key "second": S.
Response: {"hour": 4, "minute": 4}
